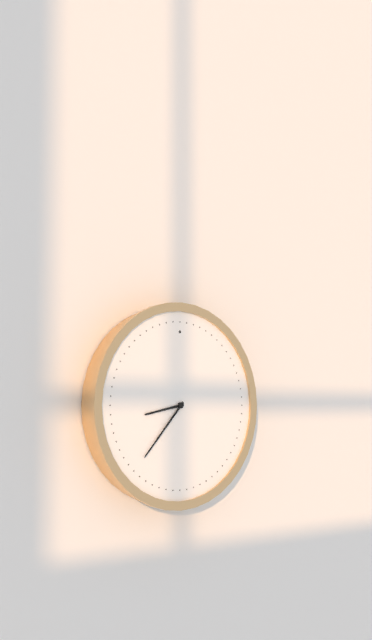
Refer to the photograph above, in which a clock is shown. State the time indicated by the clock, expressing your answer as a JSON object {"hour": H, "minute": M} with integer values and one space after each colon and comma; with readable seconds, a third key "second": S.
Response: {"hour": 8, "minute": 37}
